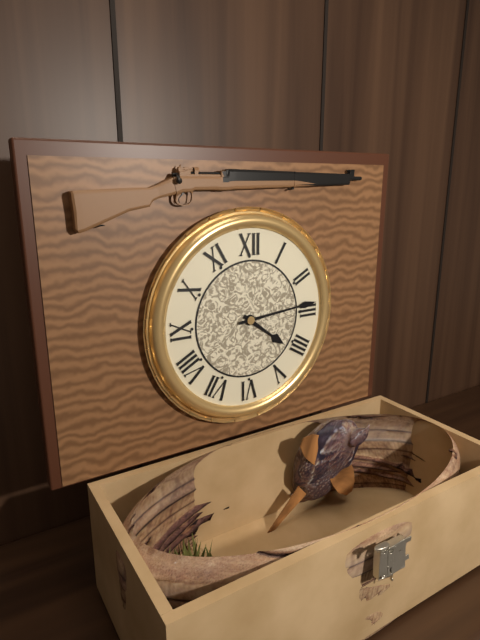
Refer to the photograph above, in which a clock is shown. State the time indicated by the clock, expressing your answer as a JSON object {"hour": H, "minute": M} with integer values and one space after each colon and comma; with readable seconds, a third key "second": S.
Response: {"hour": 4, "minute": 14}
